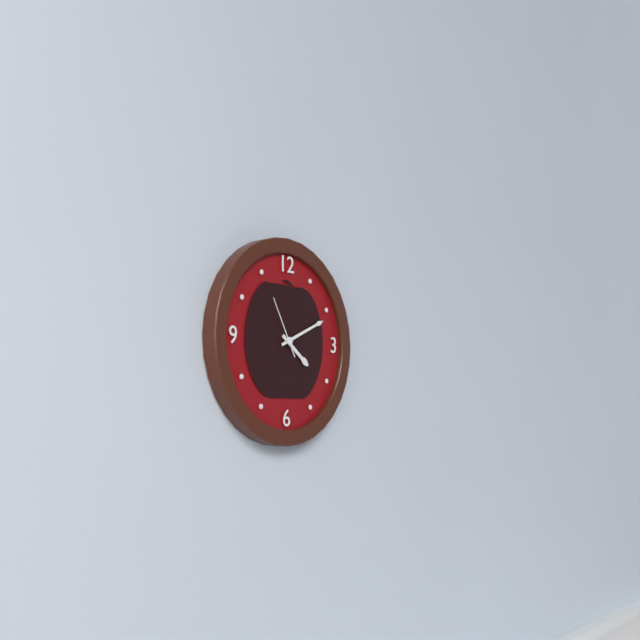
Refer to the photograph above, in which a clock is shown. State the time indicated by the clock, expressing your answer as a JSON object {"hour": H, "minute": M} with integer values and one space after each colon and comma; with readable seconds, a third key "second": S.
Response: {"hour": 4, "minute": 11, "second": 55}
